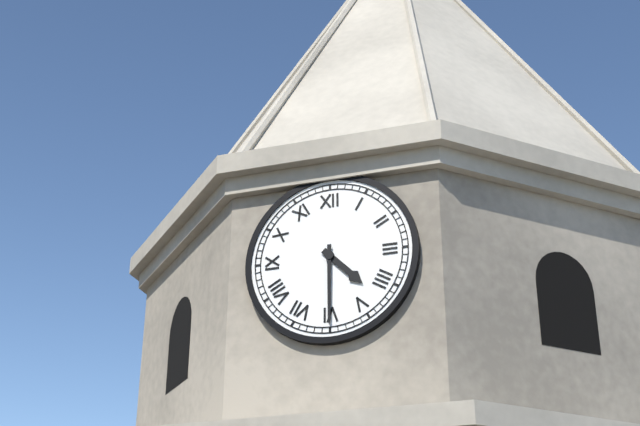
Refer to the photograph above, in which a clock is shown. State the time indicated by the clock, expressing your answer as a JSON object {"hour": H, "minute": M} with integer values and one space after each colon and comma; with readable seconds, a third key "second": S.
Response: {"hour": 4, "minute": 30}
